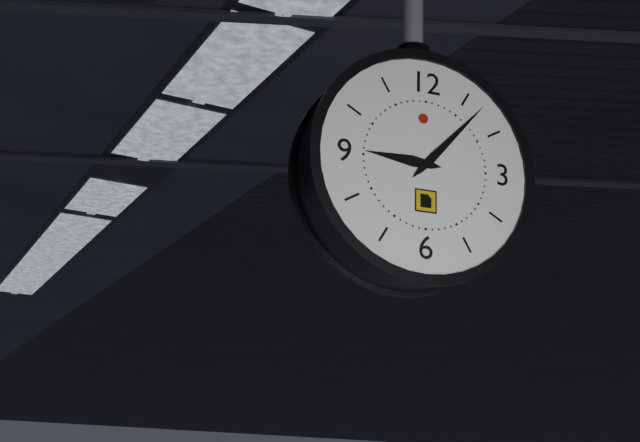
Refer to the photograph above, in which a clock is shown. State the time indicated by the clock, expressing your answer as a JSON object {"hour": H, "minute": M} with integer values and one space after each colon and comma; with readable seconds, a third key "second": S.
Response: {"hour": 9, "minute": 7}
